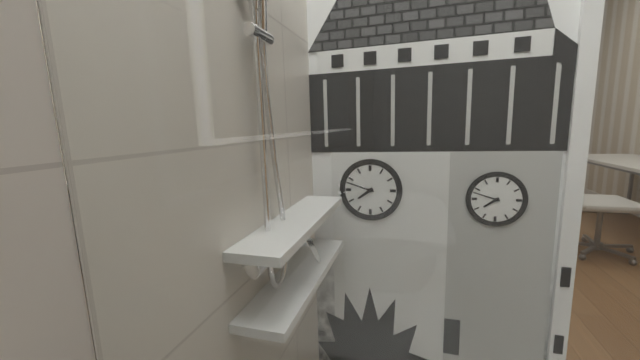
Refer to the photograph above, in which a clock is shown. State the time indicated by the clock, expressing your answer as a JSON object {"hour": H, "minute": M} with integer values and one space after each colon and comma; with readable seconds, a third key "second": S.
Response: {"hour": 7, "minute": 48}
